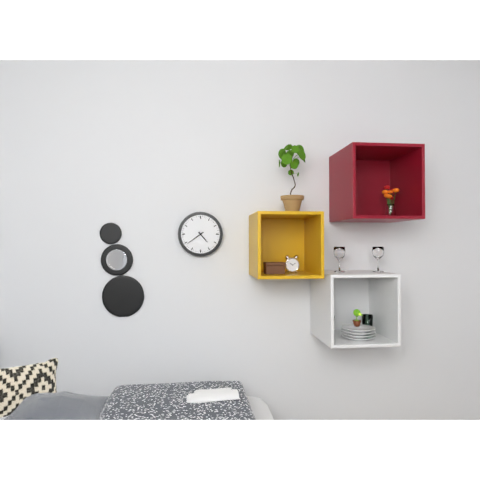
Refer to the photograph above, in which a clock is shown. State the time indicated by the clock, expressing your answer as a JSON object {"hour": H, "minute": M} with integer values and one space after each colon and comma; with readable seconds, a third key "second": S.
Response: {"hour": 4, "minute": 39}
